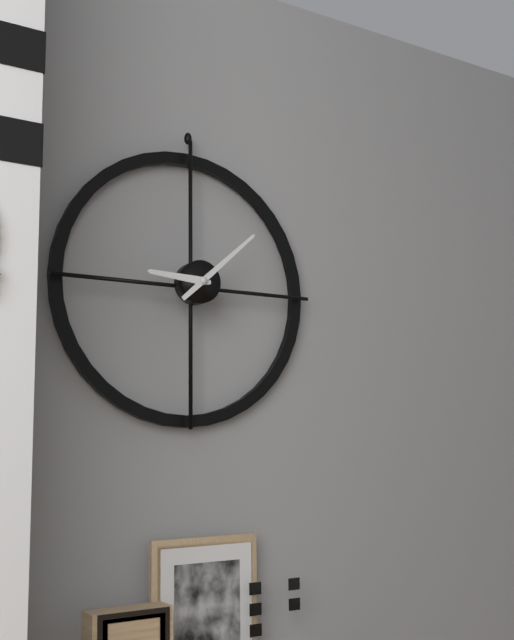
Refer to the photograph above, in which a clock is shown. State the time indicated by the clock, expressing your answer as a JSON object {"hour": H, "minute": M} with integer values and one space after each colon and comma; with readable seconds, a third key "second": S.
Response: {"hour": 9, "minute": 8}
